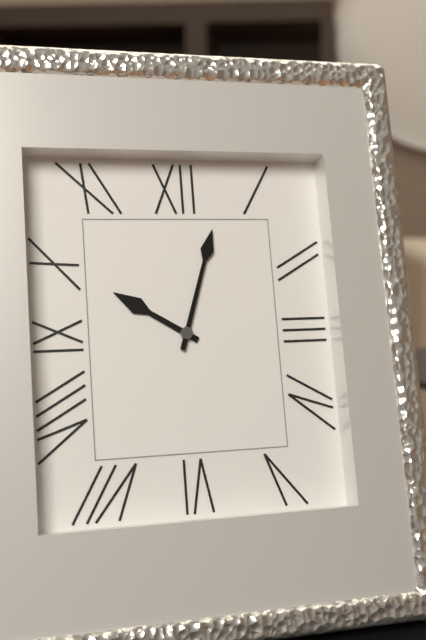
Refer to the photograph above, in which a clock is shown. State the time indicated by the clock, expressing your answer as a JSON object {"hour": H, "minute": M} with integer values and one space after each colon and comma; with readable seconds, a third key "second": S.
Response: {"hour": 10, "minute": 3}
